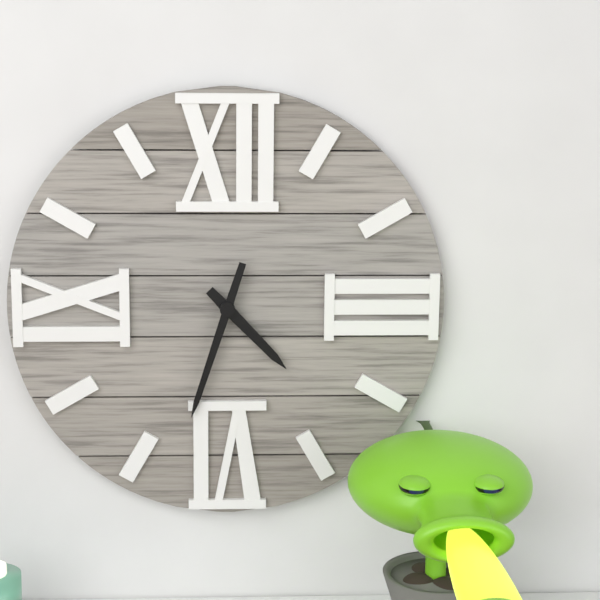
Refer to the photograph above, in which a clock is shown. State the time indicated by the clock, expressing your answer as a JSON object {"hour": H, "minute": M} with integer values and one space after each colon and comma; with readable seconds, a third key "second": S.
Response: {"hour": 4, "minute": 33}
